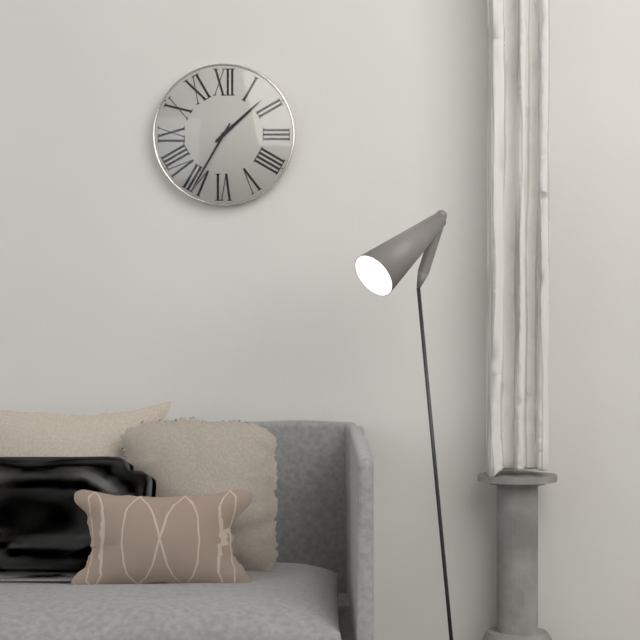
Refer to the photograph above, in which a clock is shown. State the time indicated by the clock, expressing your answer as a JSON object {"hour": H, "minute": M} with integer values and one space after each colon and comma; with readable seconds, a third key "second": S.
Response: {"hour": 1, "minute": 35}
